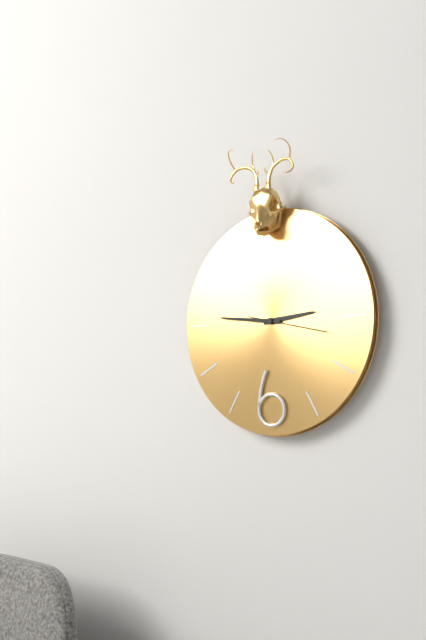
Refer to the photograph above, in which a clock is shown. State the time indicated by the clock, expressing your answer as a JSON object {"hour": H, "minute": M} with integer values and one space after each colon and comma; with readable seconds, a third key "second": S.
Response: {"hour": 2, "minute": 46, "second": 17}
